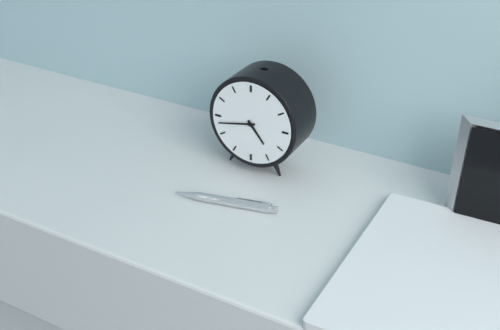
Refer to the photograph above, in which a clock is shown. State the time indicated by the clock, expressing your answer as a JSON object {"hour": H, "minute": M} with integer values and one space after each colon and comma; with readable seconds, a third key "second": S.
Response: {"hour": 4, "minute": 43}
